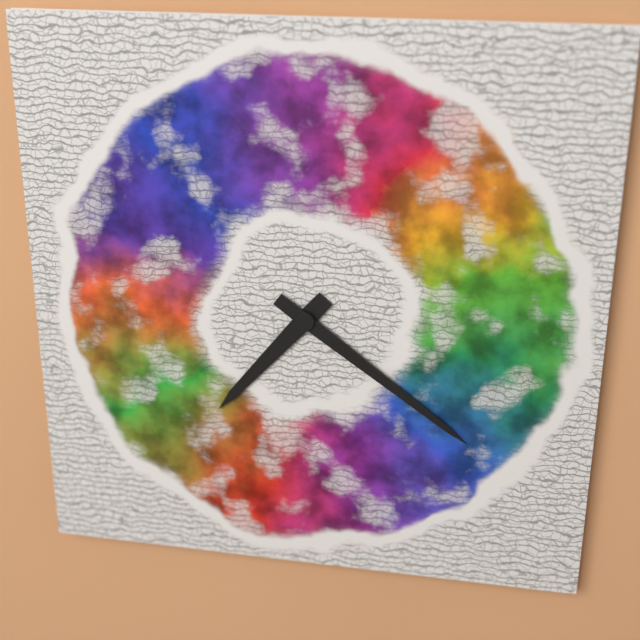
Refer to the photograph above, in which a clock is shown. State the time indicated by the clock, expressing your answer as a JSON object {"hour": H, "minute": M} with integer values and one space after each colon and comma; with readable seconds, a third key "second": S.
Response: {"hour": 7, "minute": 21}
